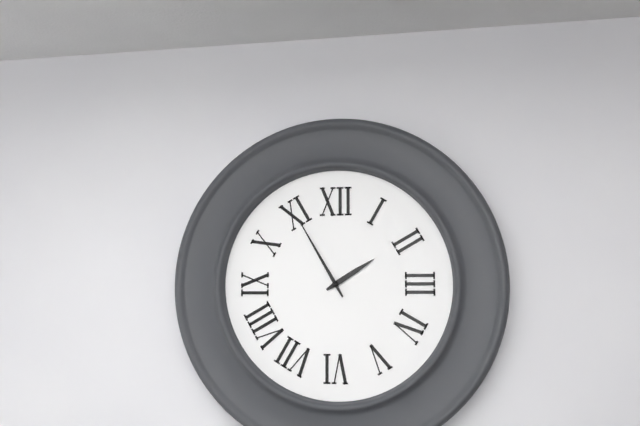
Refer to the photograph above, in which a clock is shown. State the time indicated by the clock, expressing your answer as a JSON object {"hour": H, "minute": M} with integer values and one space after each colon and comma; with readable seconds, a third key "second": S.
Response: {"hour": 1, "minute": 55}
